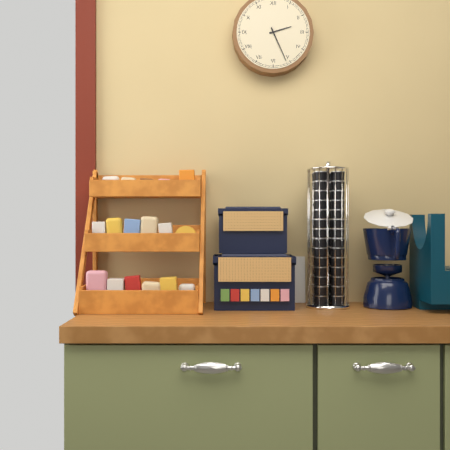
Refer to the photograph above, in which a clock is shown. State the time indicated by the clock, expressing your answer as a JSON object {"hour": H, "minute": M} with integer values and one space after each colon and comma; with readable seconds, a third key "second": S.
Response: {"hour": 2, "minute": 26}
